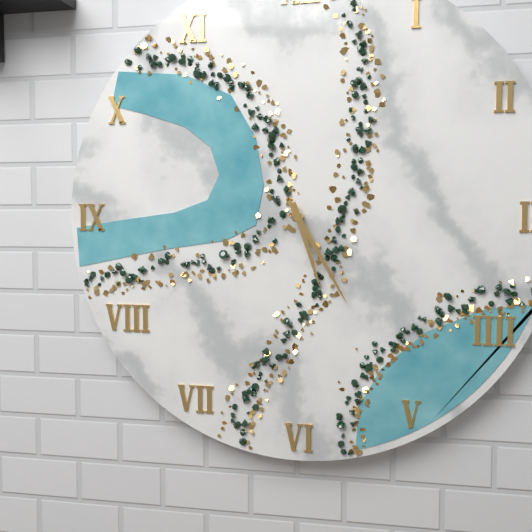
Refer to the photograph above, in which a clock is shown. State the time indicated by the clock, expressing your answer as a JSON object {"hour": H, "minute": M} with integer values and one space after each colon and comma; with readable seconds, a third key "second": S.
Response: {"hour": 5, "minute": 25}
